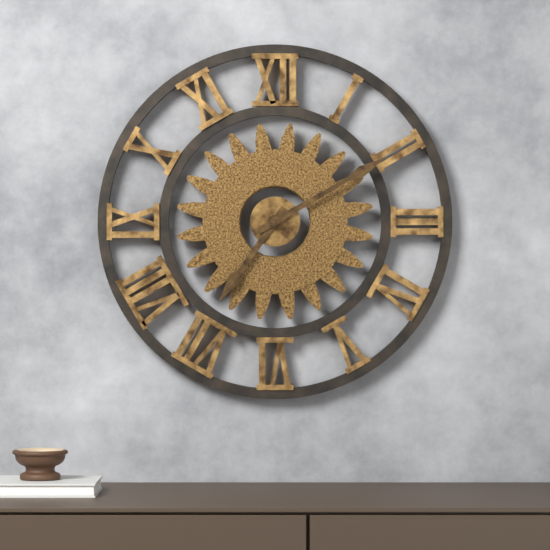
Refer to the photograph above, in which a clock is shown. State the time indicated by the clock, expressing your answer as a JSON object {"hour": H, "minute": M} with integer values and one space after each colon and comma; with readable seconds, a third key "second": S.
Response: {"hour": 7, "minute": 10}
